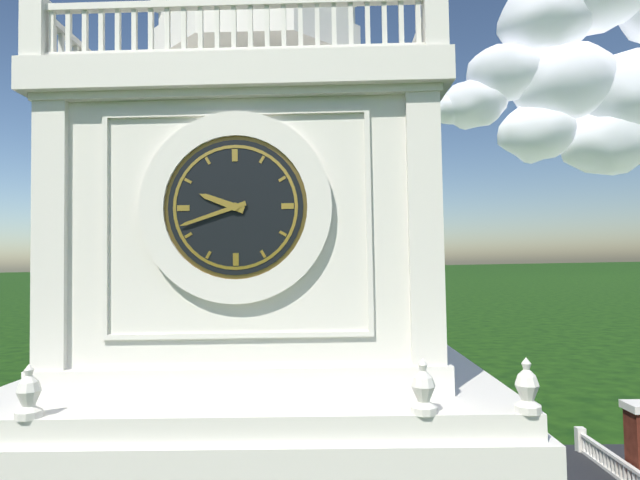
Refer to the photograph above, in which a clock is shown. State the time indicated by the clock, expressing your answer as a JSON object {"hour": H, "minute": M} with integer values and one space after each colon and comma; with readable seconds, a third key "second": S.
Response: {"hour": 9, "minute": 42}
